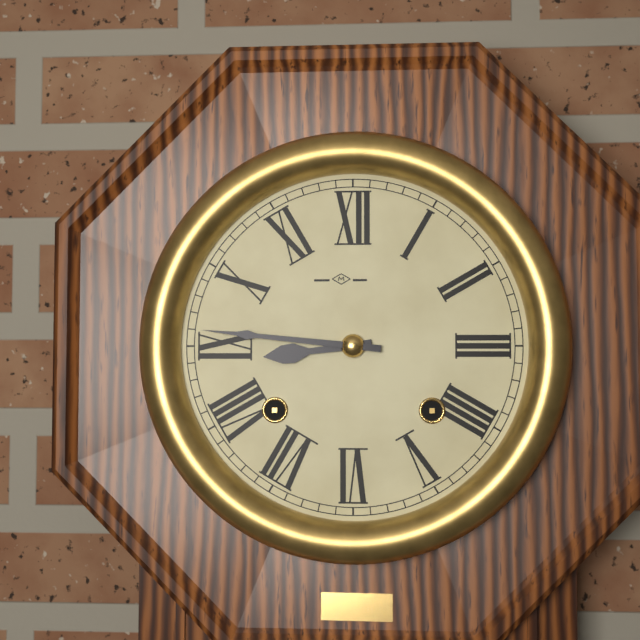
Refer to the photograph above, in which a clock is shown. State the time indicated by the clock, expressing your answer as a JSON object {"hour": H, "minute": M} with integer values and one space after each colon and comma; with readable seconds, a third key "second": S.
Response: {"hour": 8, "minute": 46}
